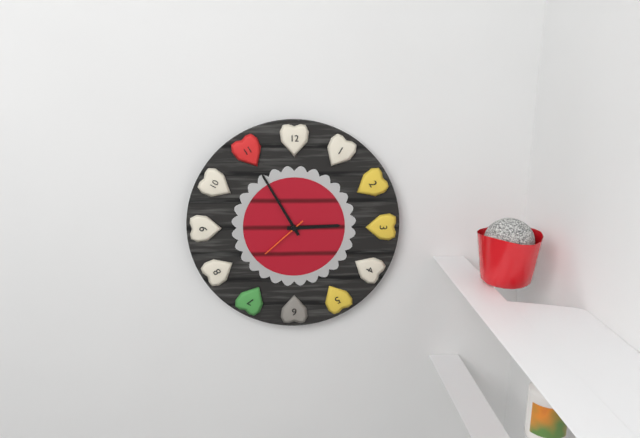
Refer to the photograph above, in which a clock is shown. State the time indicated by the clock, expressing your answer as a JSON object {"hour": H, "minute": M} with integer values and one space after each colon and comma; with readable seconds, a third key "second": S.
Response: {"hour": 2, "minute": 55}
